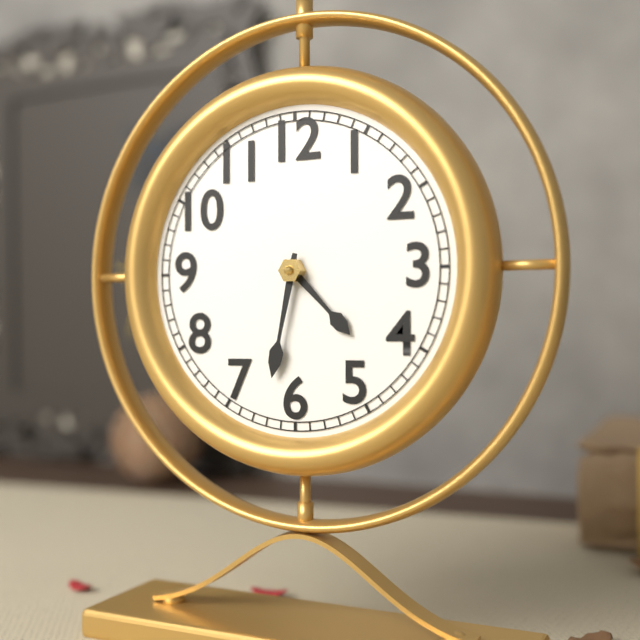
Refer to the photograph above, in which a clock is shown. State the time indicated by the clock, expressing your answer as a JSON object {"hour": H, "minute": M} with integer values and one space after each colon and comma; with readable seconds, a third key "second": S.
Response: {"hour": 4, "minute": 32}
